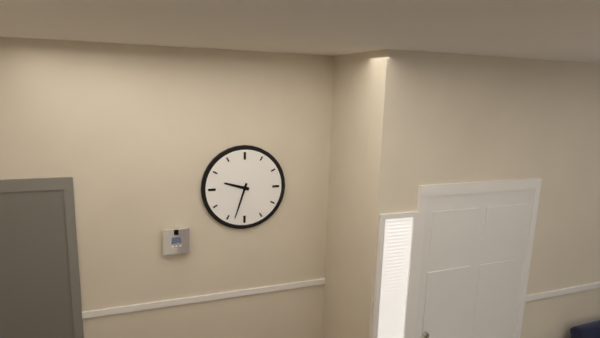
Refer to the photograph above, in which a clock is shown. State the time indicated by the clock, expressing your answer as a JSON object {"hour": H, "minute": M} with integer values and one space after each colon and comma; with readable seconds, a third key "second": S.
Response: {"hour": 9, "minute": 33}
